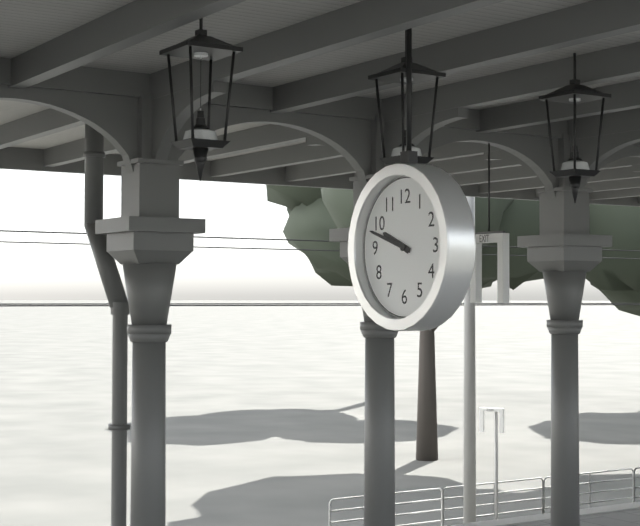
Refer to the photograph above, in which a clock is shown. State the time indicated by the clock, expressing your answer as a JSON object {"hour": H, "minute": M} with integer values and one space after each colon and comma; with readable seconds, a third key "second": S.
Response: {"hour": 9, "minute": 48}
